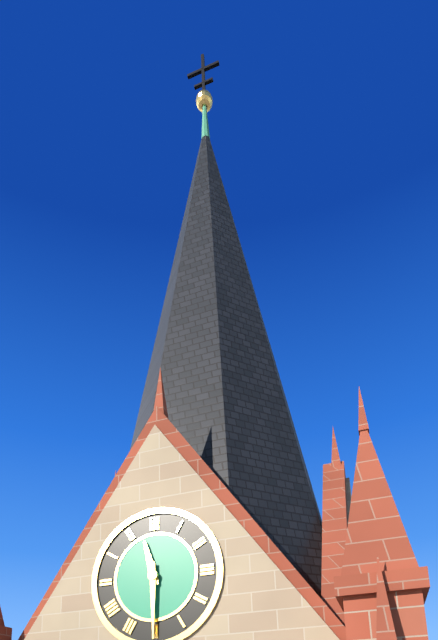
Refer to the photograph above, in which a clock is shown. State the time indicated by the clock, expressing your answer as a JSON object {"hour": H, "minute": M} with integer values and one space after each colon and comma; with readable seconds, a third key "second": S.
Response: {"hour": 11, "minute": 30}
